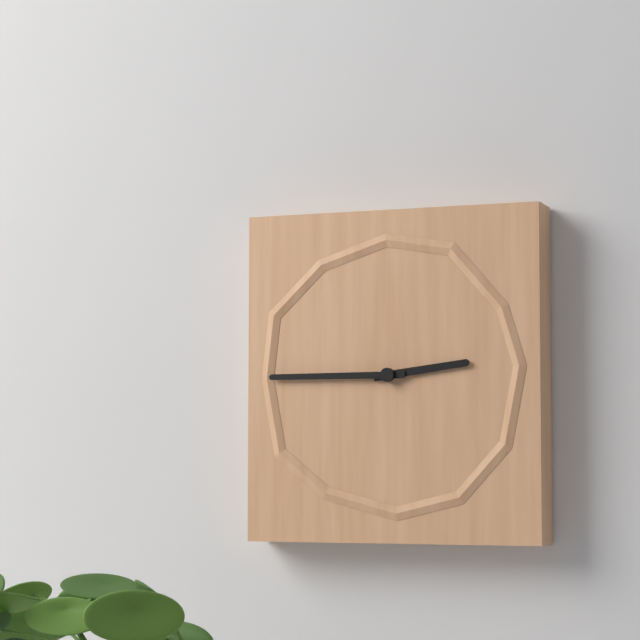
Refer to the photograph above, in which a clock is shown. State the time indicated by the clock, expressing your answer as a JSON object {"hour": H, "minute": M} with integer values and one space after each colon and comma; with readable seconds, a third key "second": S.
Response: {"hour": 2, "minute": 45}
